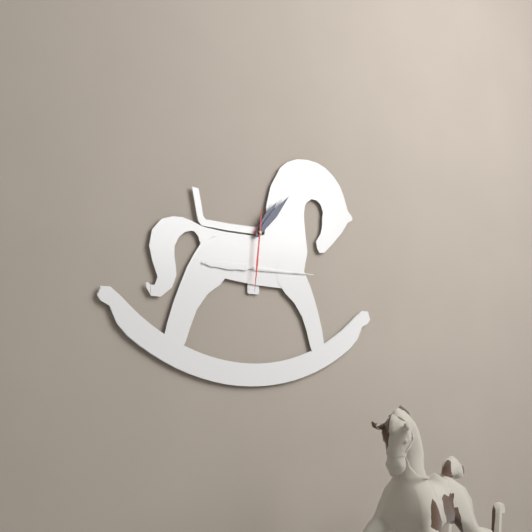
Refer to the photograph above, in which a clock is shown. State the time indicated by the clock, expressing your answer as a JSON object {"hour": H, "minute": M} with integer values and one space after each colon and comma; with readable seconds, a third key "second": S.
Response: {"hour": 1, "minute": 7, "second": 31}
